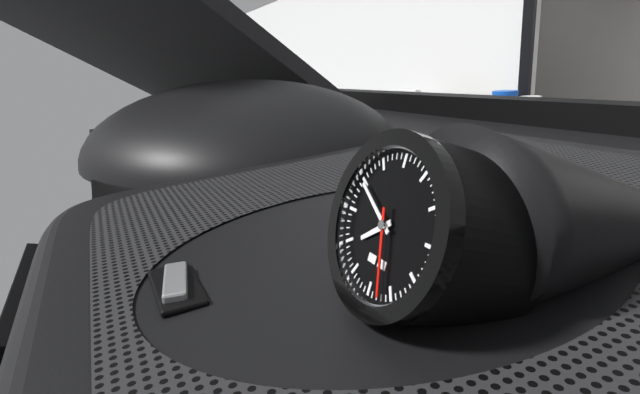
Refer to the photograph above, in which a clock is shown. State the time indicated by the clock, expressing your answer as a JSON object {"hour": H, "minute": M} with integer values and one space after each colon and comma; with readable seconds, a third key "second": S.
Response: {"hour": 7, "minute": 50, "second": 27}
